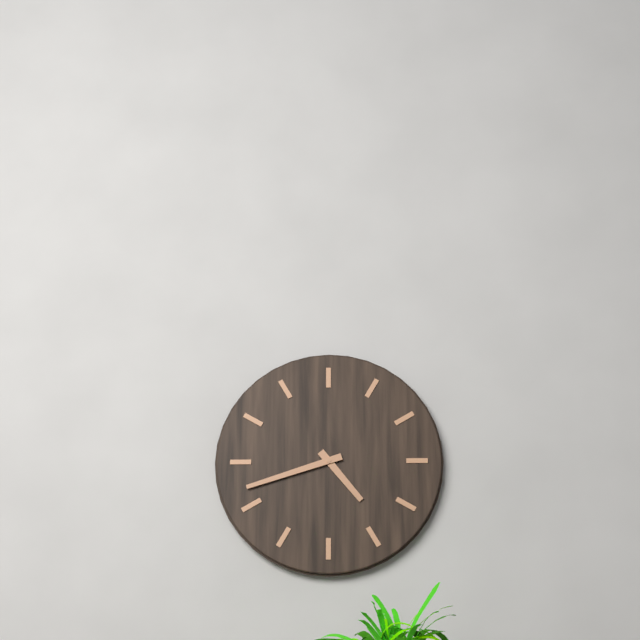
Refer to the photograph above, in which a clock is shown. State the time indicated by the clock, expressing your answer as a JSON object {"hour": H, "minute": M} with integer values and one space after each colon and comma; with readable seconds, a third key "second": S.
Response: {"hour": 4, "minute": 42}
